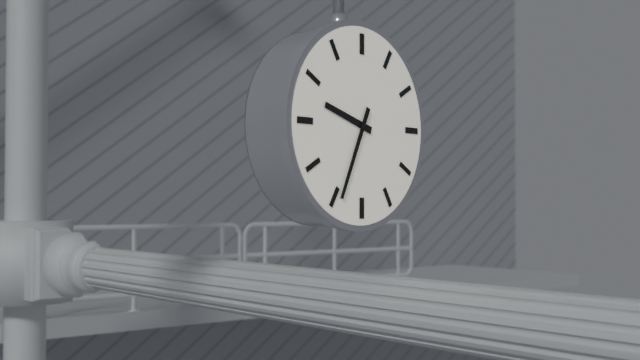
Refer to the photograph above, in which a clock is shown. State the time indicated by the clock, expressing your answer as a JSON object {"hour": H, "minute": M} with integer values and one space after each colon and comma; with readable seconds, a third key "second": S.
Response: {"hour": 9, "minute": 34}
